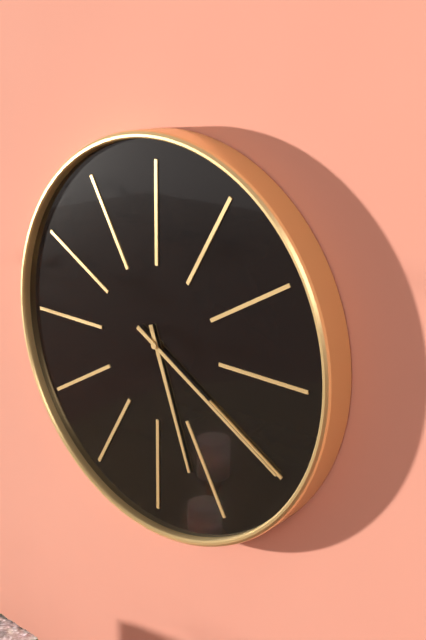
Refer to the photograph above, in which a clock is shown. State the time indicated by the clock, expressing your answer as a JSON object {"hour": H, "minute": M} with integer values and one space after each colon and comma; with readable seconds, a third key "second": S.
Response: {"hour": 5, "minute": 20}
